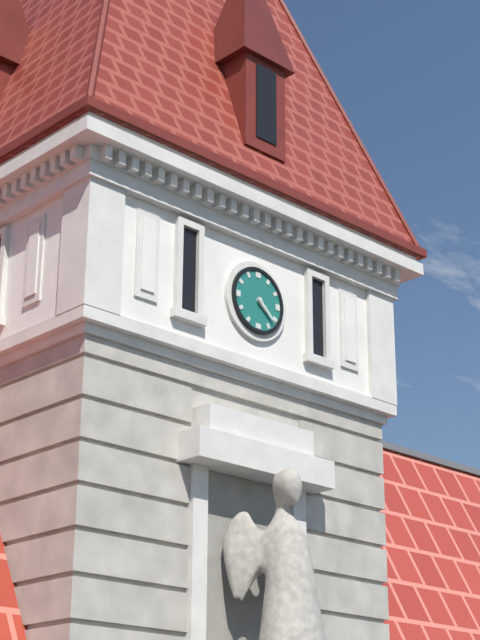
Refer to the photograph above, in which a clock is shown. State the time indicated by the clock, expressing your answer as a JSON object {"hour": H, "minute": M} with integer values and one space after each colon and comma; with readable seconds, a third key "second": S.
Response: {"hour": 4, "minute": 22}
